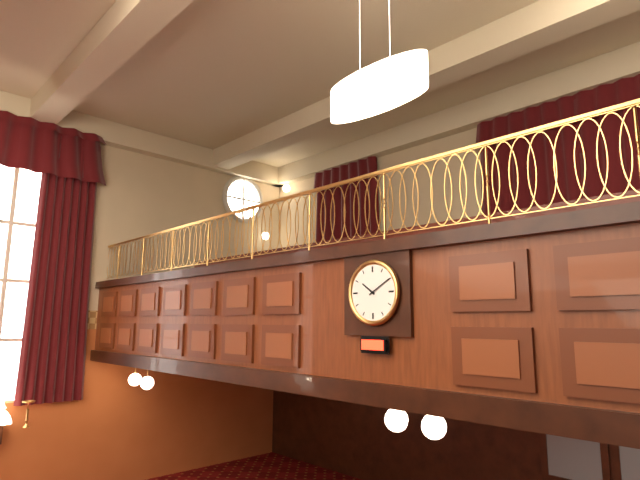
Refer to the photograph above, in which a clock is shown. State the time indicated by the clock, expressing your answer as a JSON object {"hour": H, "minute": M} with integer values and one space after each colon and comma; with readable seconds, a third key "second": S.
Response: {"hour": 10, "minute": 10}
